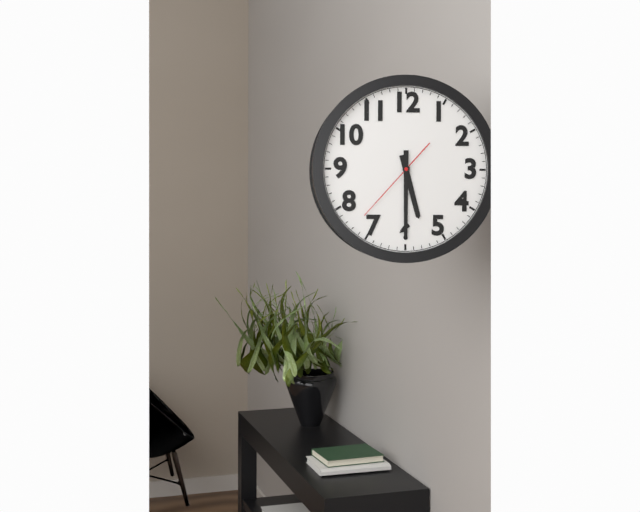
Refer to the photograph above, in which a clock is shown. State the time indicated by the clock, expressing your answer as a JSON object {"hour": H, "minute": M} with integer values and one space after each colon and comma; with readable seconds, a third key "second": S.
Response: {"hour": 5, "minute": 30, "second": 37}
